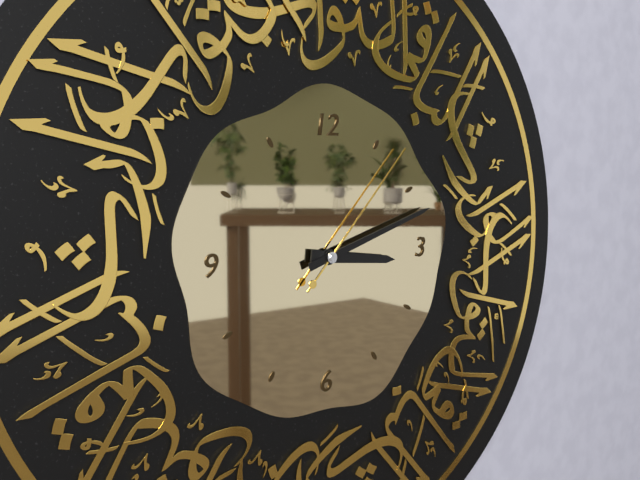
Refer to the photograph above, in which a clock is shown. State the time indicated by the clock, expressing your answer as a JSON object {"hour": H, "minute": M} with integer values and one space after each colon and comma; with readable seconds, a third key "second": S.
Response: {"hour": 3, "minute": 12, "second": 7}
